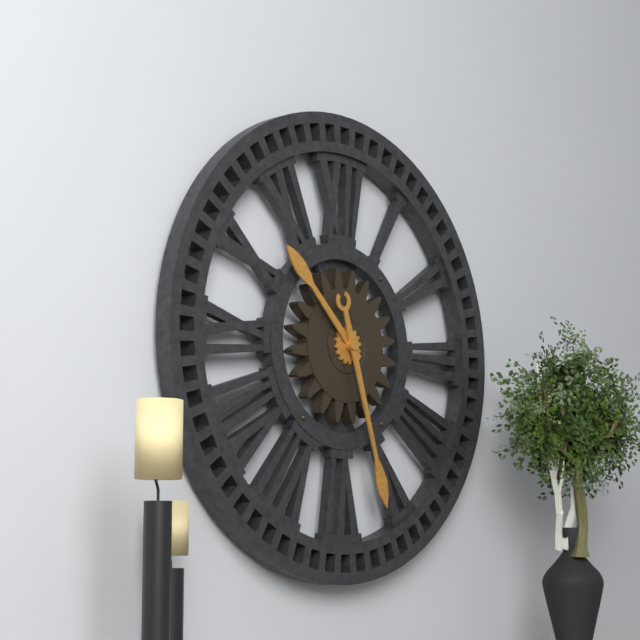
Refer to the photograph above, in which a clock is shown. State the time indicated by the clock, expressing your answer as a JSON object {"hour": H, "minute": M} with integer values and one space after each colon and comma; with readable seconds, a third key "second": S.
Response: {"hour": 10, "minute": 27}
